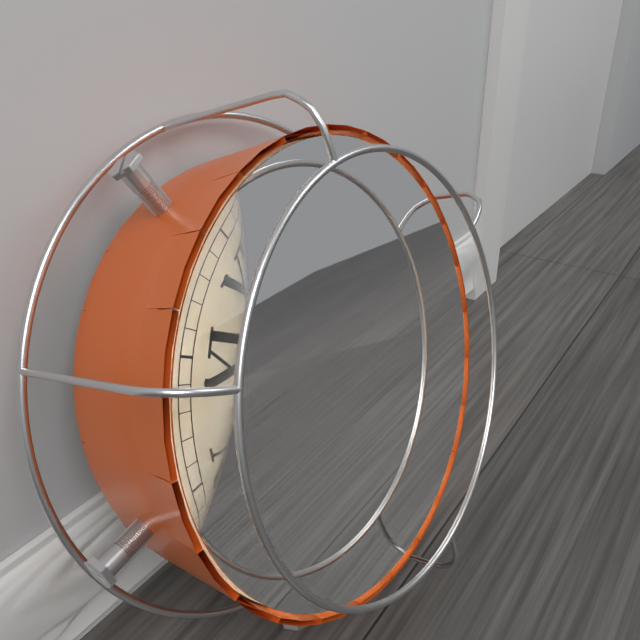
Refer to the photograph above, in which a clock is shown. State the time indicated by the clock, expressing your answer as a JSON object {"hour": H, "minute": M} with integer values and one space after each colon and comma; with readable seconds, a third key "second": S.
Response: {"hour": 2, "minute": 47}
